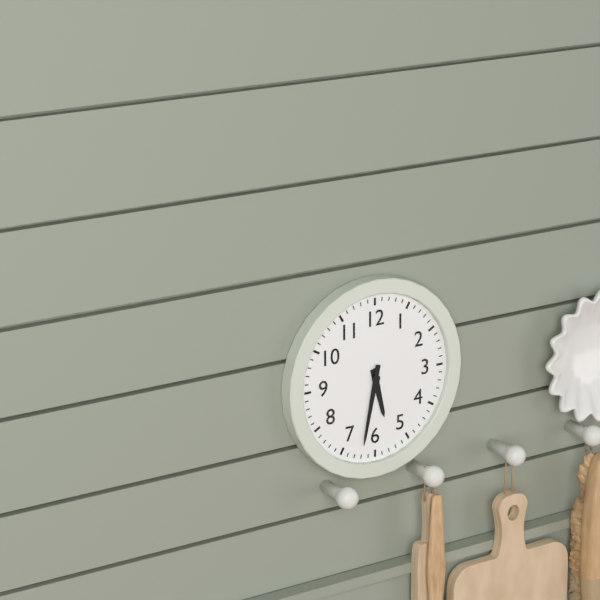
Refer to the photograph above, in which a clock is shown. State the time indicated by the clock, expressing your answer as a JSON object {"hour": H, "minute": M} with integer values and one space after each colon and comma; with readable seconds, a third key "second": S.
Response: {"hour": 5, "minute": 32}
